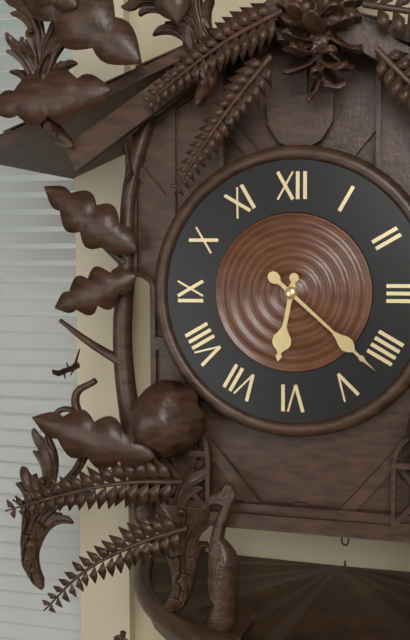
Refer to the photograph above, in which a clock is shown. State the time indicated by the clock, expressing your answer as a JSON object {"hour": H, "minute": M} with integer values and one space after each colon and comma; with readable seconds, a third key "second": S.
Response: {"hour": 6, "minute": 22}
